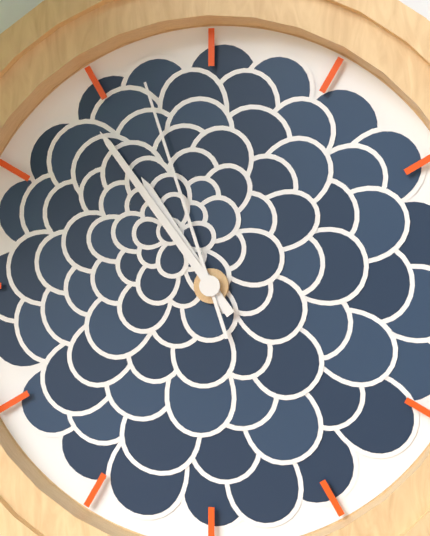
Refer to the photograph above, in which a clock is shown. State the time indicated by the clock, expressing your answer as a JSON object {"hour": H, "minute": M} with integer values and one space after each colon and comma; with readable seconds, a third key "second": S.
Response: {"hour": 10, "minute": 54, "second": 57}
